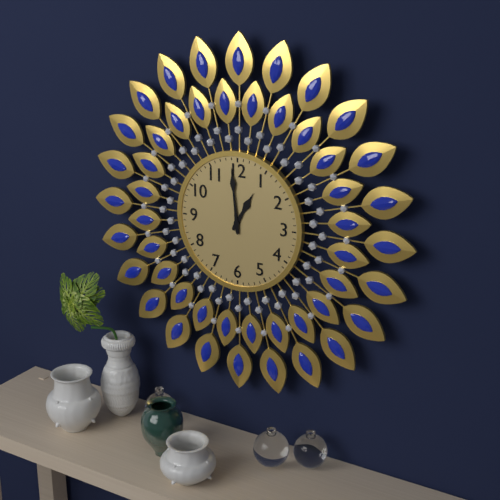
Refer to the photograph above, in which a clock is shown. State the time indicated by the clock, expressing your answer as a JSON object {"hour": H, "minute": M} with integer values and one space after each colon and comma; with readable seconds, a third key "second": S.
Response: {"hour": 12, "minute": 59}
